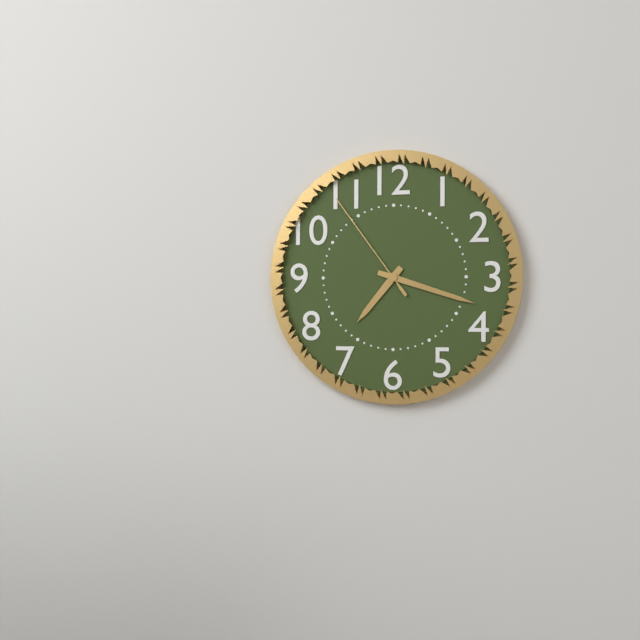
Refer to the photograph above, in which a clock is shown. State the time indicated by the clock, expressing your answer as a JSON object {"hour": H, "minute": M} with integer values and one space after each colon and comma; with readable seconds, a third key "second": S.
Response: {"hour": 7, "minute": 18, "second": 54}
